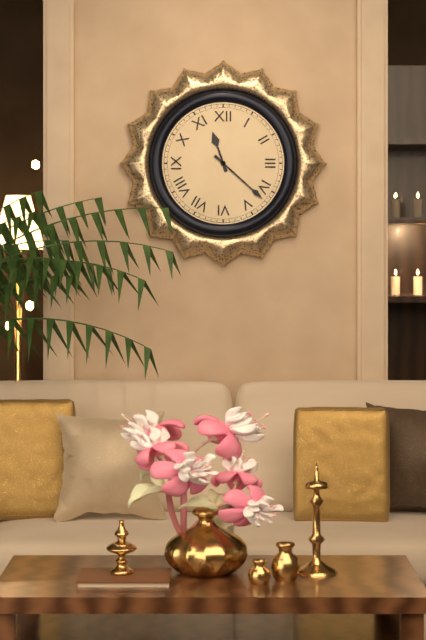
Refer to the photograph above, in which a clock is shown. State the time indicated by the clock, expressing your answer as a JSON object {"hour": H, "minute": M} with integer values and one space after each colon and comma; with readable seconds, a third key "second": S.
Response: {"hour": 11, "minute": 22}
